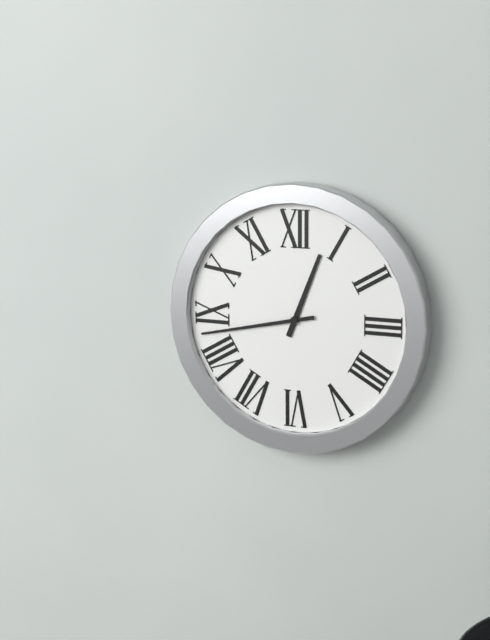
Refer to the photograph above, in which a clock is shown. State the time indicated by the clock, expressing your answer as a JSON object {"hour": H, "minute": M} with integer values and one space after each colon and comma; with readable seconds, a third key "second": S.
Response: {"hour": 12, "minute": 43}
